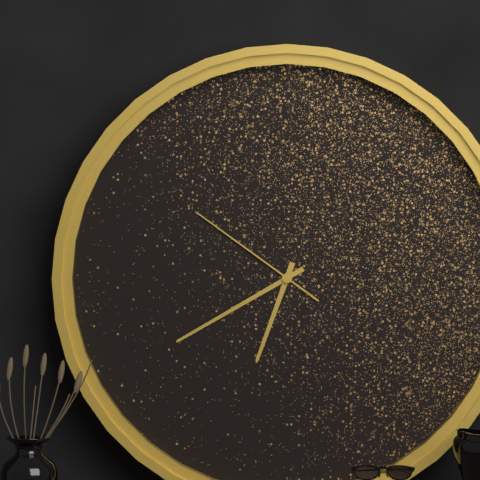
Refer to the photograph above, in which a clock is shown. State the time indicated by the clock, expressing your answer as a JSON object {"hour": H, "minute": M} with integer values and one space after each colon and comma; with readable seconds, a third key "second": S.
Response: {"hour": 6, "minute": 40, "second": 51}
